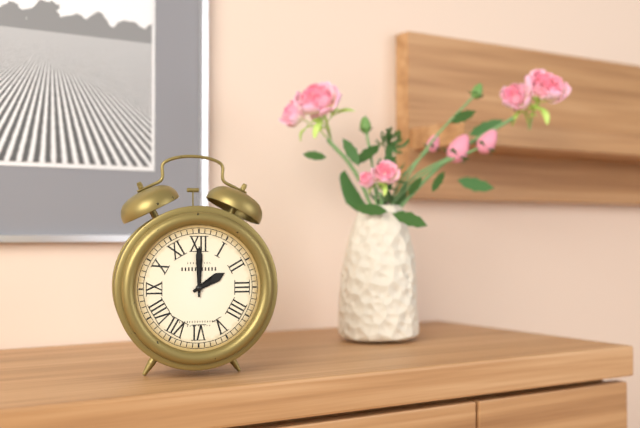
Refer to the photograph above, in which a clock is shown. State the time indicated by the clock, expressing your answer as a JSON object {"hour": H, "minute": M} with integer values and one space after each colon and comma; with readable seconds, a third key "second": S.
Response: {"hour": 2, "minute": 0}
